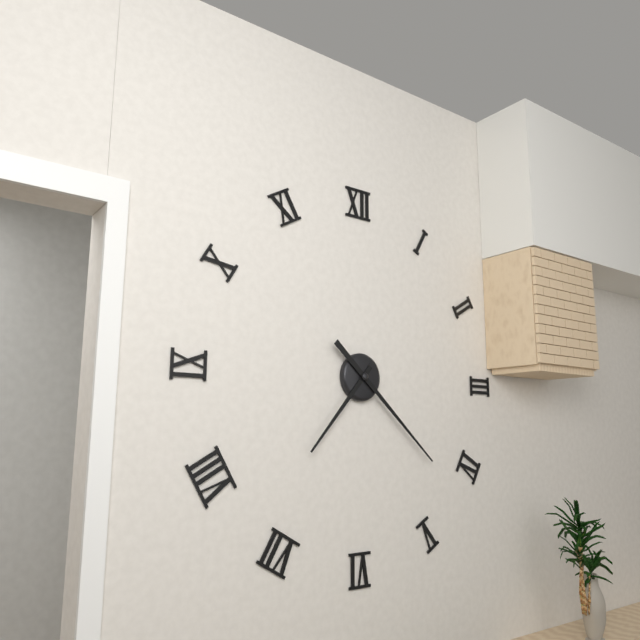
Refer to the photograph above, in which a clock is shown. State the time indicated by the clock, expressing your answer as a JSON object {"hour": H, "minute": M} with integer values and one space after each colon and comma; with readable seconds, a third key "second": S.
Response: {"hour": 7, "minute": 22}
